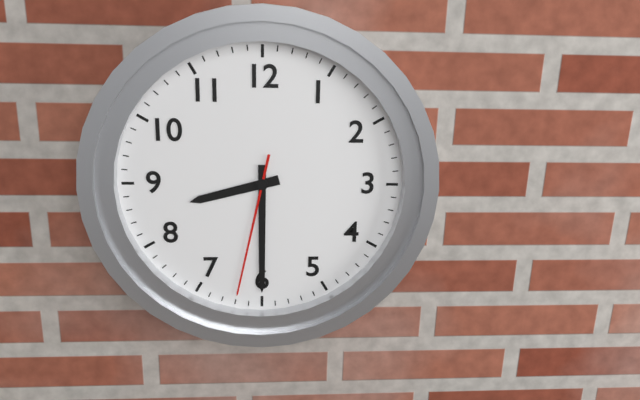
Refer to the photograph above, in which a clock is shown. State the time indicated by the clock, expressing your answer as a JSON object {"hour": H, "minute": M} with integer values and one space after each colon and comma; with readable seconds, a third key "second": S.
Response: {"hour": 8, "minute": 30, "second": 32}
